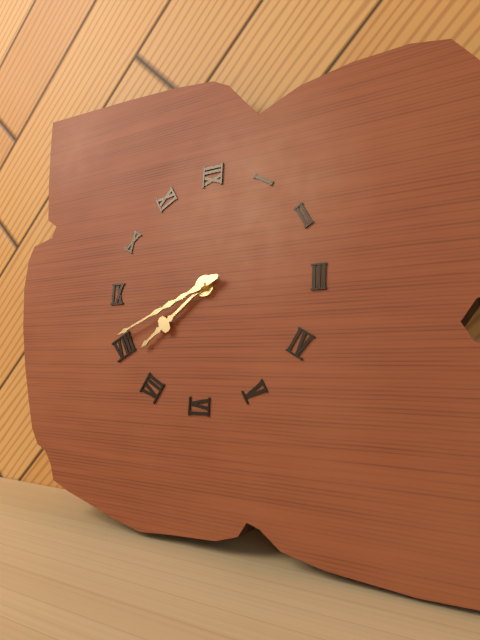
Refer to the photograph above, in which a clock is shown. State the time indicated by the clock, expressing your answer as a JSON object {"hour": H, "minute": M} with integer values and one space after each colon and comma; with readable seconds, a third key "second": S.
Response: {"hour": 7, "minute": 41}
